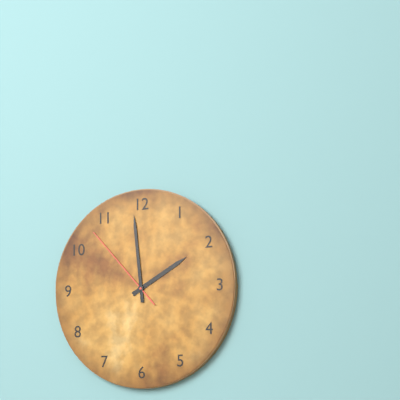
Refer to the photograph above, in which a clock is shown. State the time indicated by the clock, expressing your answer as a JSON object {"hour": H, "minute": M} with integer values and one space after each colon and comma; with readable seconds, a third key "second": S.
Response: {"hour": 1, "minute": 59, "second": 53}
